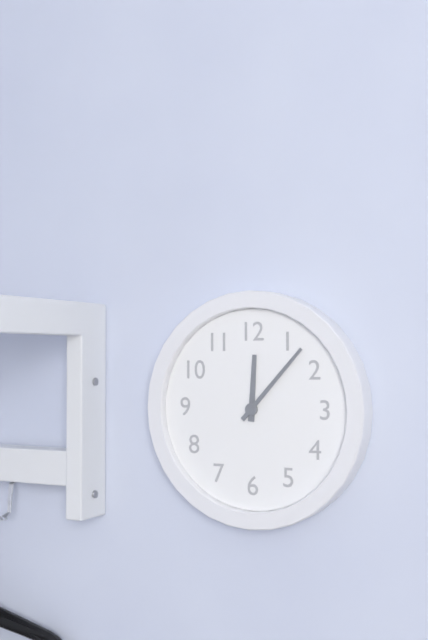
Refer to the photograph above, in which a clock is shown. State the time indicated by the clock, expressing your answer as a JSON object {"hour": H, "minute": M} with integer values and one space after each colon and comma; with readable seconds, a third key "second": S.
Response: {"hour": 12, "minute": 7}
